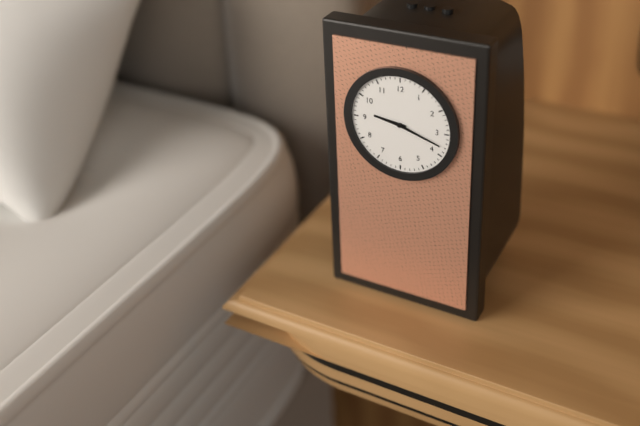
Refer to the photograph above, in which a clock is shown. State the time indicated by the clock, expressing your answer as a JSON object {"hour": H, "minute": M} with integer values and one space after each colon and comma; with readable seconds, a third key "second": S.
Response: {"hour": 9, "minute": 18}
